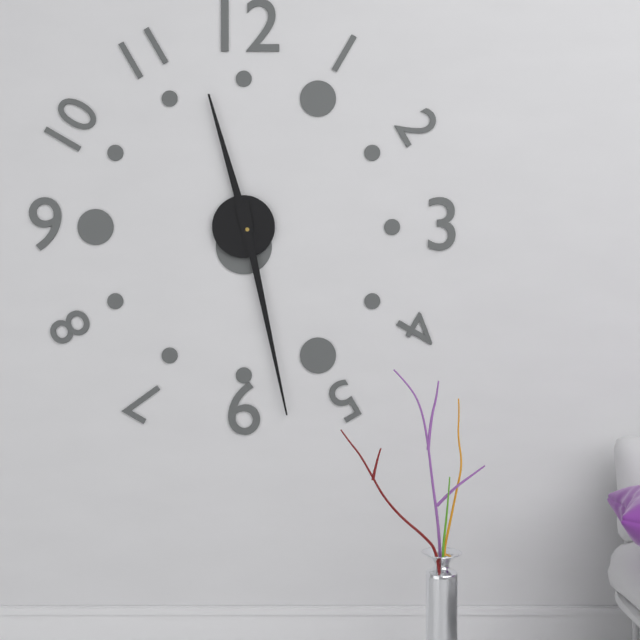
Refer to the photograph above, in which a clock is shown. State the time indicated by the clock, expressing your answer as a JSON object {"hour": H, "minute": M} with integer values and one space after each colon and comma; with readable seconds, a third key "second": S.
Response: {"hour": 11, "minute": 28}
